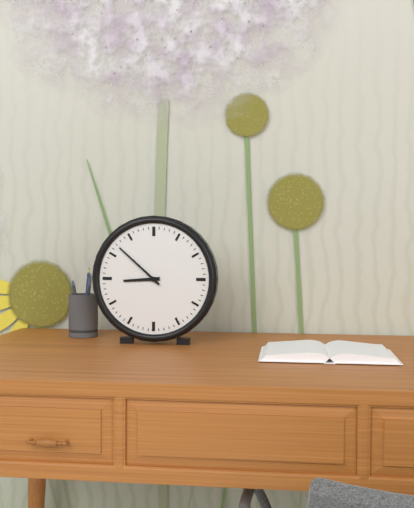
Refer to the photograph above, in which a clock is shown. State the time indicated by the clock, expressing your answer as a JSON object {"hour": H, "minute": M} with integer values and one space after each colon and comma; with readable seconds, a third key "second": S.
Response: {"hour": 8, "minute": 52}
